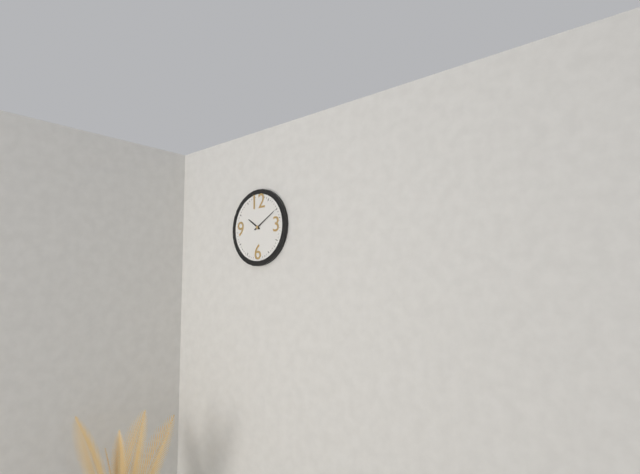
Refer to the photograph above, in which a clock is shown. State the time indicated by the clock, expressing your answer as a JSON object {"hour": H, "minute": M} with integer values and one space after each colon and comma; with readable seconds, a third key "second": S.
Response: {"hour": 10, "minute": 10}
